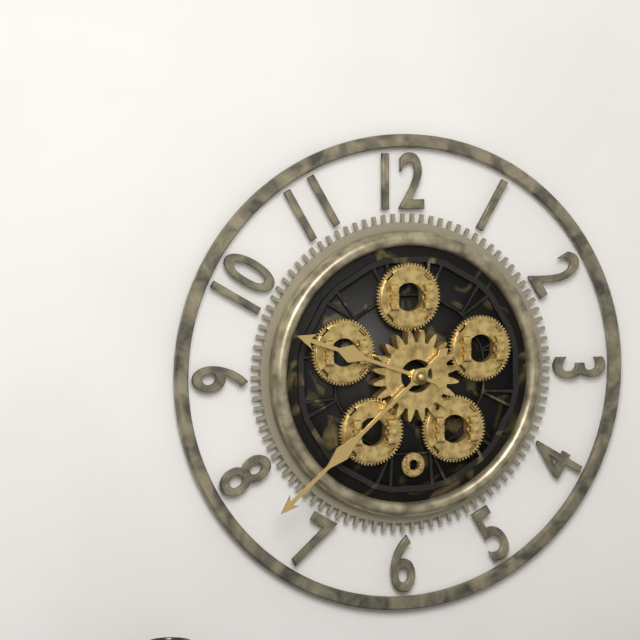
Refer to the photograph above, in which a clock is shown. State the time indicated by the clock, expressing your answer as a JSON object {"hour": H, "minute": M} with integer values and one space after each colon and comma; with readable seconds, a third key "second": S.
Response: {"hour": 9, "minute": 38}
